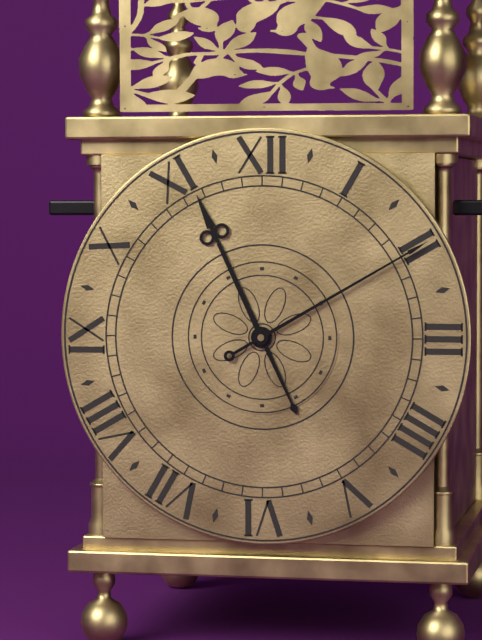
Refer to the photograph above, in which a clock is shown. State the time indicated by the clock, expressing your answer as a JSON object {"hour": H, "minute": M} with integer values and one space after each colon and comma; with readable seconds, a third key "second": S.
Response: {"hour": 11, "minute": 10}
